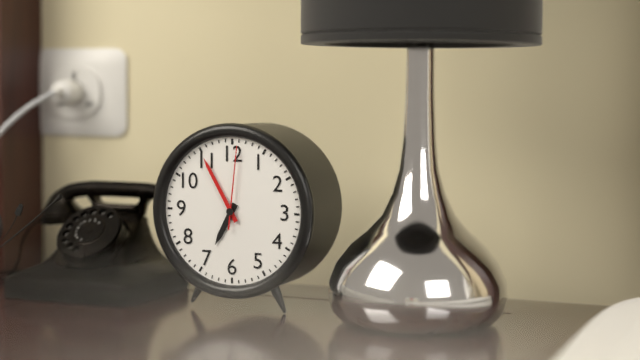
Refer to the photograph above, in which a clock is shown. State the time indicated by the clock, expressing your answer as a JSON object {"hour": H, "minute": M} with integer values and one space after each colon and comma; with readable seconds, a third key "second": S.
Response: {"hour": 6, "minute": 55, "second": 1}
